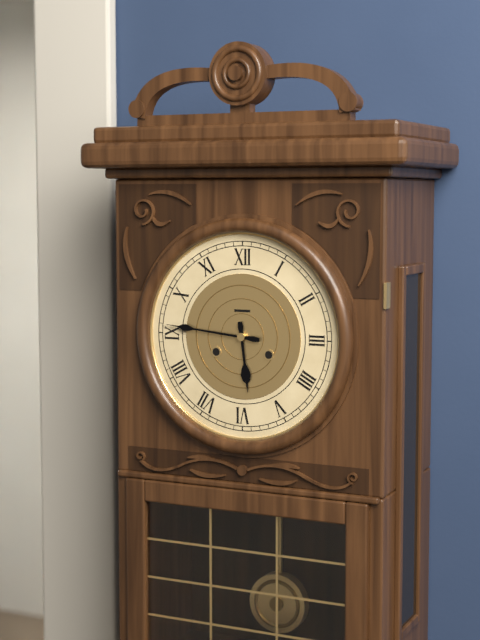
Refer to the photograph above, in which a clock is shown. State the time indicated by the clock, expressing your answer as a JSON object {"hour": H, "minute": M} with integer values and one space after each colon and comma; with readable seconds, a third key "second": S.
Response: {"hour": 5, "minute": 46}
